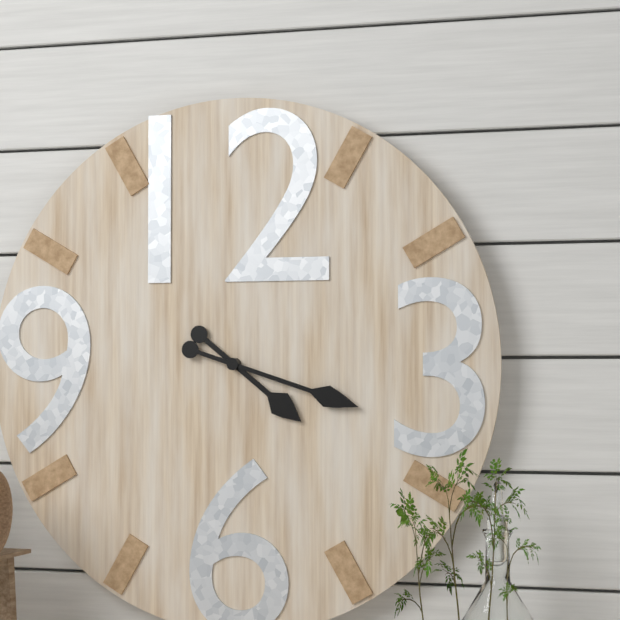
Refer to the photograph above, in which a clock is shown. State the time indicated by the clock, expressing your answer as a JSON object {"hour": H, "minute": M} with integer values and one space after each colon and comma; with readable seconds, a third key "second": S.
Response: {"hour": 4, "minute": 18}
